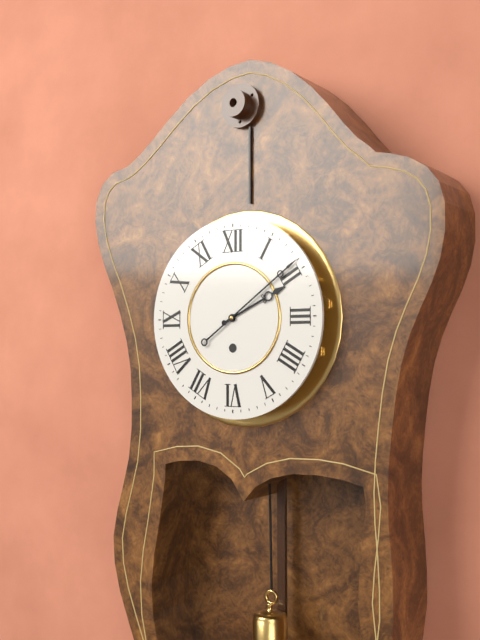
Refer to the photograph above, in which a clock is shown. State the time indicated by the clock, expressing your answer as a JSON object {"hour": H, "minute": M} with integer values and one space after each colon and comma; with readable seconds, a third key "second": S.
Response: {"hour": 2, "minute": 9}
